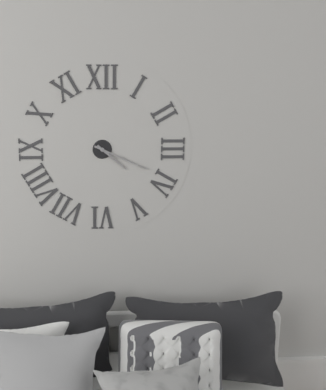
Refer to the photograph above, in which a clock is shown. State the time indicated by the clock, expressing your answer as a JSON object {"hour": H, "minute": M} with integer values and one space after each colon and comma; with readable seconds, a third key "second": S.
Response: {"hour": 4, "minute": 19}
